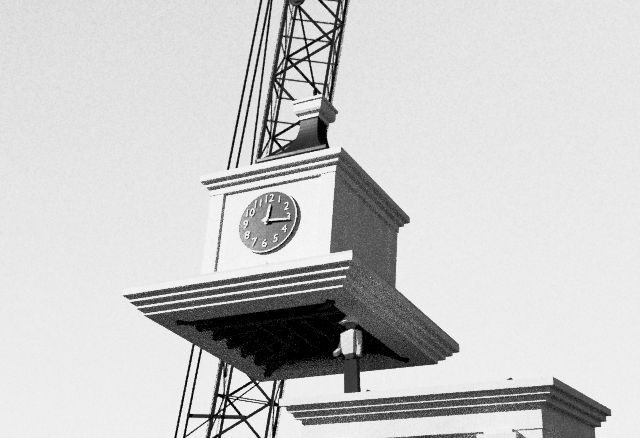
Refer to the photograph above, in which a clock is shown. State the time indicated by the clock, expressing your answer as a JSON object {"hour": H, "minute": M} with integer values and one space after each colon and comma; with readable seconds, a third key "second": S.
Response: {"hour": 12, "minute": 16}
